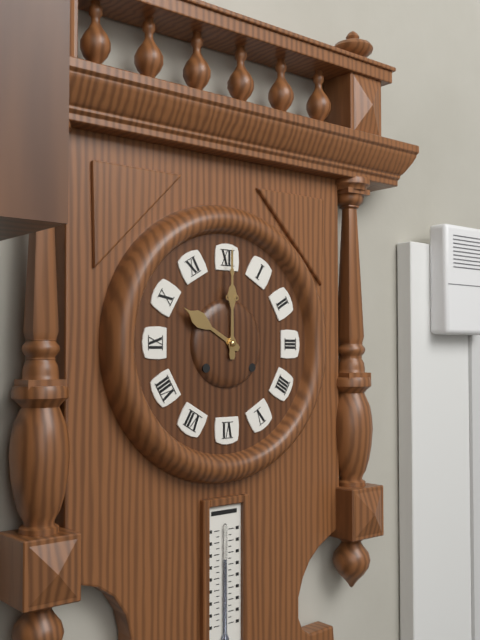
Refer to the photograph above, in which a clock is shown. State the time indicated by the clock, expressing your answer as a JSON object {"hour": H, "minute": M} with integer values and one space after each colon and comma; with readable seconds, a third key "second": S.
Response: {"hour": 10, "minute": 0}
